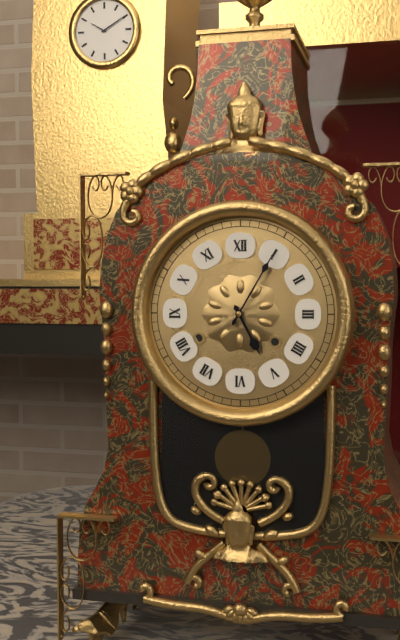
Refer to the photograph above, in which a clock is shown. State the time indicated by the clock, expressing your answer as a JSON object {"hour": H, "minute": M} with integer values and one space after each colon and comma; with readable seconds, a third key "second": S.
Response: {"hour": 5, "minute": 5}
